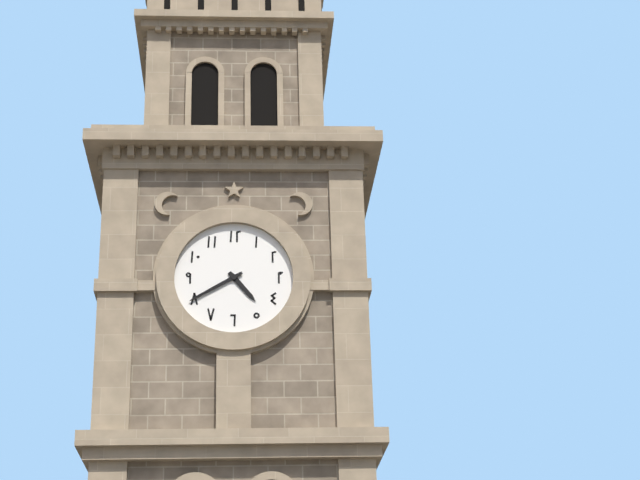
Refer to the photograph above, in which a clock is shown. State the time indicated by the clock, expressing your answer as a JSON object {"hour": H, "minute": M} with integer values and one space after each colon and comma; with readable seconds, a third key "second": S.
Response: {"hour": 4, "minute": 40}
